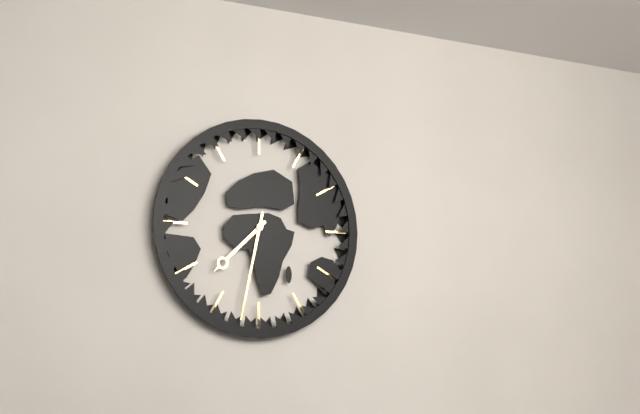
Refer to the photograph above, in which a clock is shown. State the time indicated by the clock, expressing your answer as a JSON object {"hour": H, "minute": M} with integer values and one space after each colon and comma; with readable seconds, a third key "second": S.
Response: {"hour": 7, "minute": 32}
